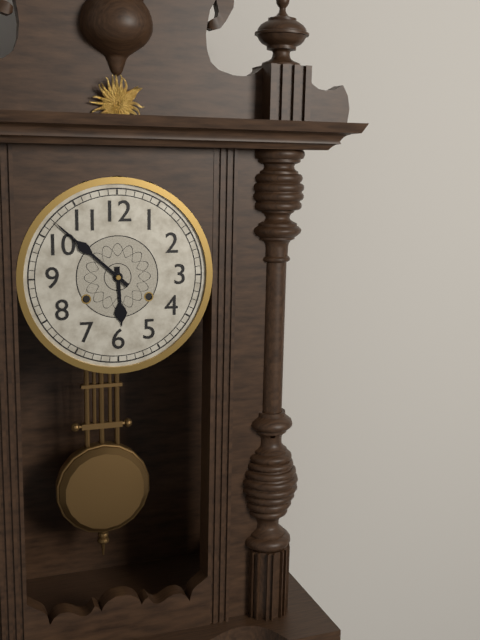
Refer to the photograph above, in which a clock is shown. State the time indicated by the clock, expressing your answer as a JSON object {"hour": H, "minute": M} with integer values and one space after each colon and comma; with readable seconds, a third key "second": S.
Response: {"hour": 5, "minute": 52}
